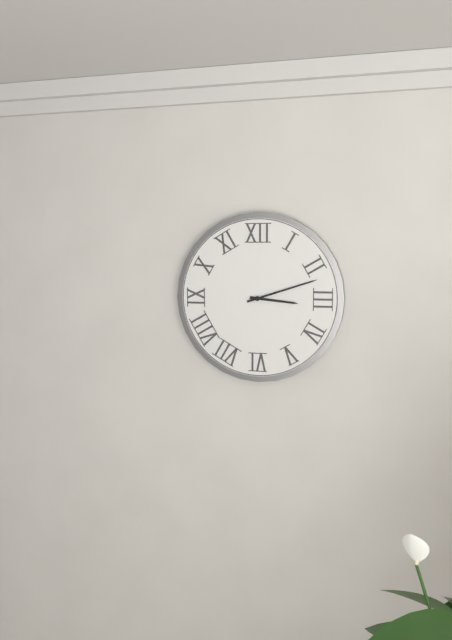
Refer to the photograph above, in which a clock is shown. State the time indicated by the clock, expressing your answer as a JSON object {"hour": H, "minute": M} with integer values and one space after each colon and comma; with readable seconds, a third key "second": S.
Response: {"hour": 3, "minute": 12}
